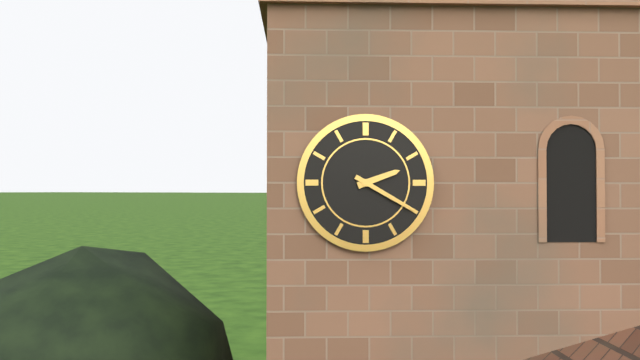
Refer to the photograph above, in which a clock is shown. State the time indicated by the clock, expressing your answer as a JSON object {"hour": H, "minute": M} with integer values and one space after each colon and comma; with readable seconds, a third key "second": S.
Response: {"hour": 2, "minute": 20}
